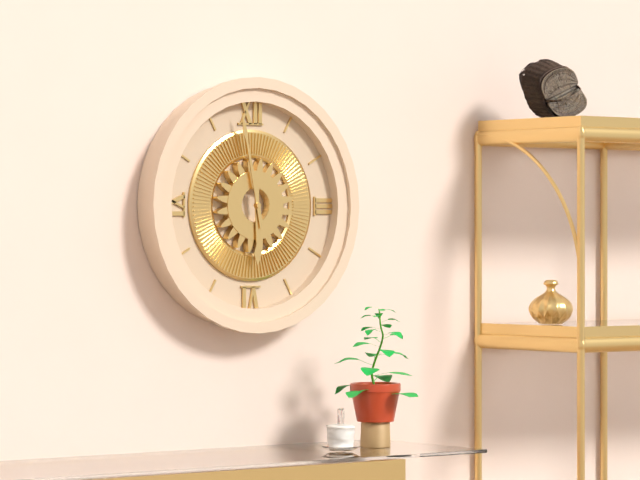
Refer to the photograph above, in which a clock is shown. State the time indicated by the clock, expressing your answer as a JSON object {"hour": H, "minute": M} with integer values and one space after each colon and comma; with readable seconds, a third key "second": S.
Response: {"hour": 5, "minute": 58}
